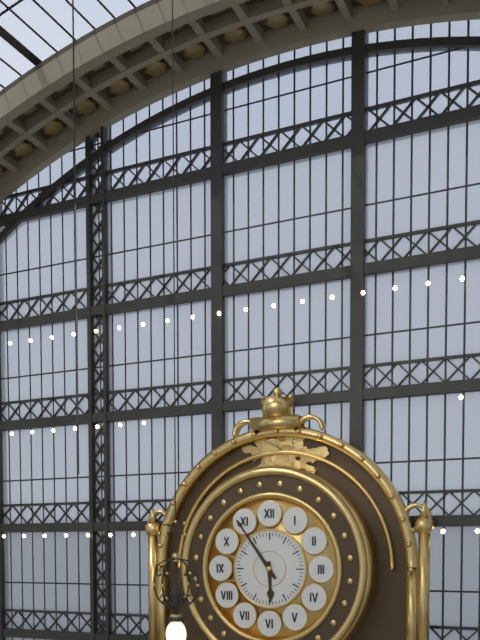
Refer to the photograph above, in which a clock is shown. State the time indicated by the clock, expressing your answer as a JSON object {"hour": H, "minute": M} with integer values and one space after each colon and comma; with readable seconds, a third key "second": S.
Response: {"hour": 5, "minute": 54}
